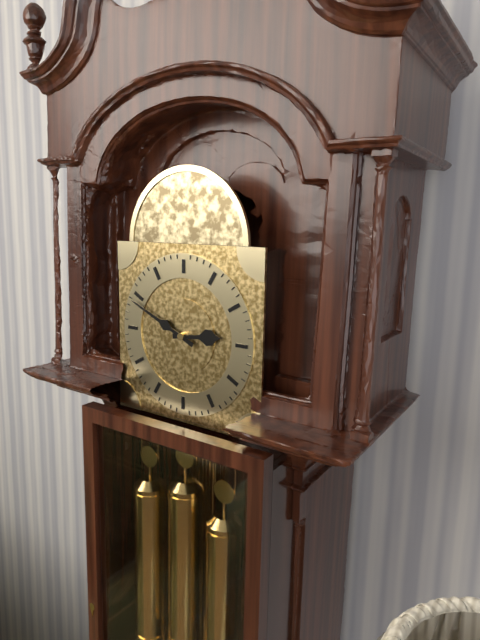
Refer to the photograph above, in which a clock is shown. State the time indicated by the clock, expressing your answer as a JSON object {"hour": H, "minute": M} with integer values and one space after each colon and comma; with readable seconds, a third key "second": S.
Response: {"hour": 2, "minute": 49}
